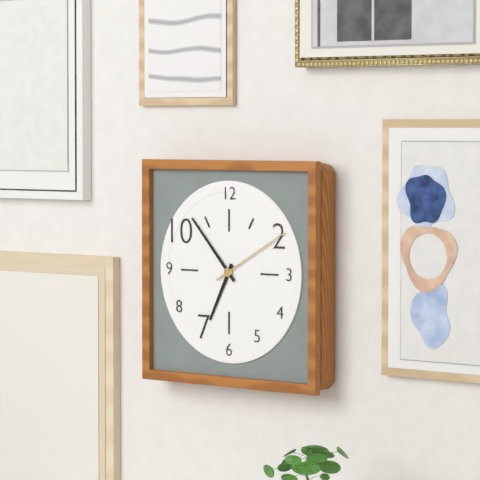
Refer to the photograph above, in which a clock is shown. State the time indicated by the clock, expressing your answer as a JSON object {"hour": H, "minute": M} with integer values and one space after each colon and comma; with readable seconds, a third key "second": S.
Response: {"hour": 6, "minute": 53, "second": 10}
